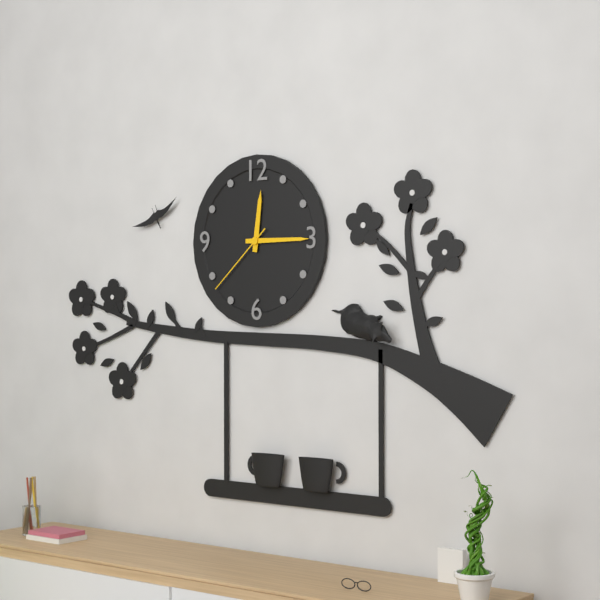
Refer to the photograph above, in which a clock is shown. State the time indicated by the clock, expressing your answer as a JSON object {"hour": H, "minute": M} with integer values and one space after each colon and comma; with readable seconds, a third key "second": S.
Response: {"hour": 12, "minute": 15, "second": 38}
